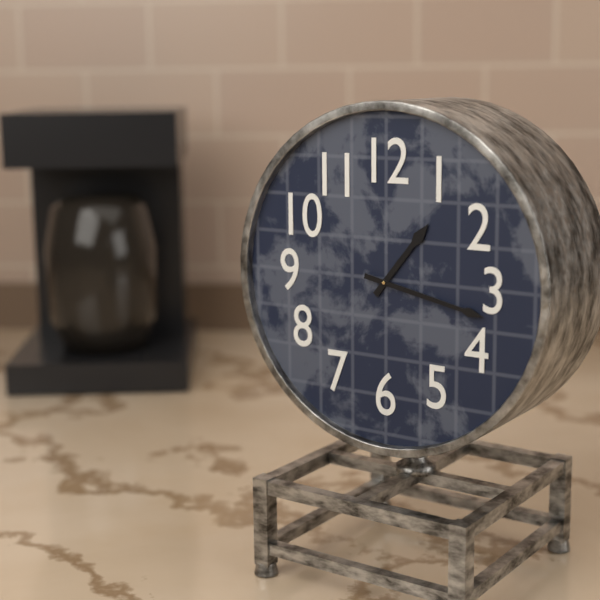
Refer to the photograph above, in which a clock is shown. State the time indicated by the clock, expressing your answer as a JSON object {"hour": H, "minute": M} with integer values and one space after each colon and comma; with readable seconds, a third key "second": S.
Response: {"hour": 1, "minute": 17}
